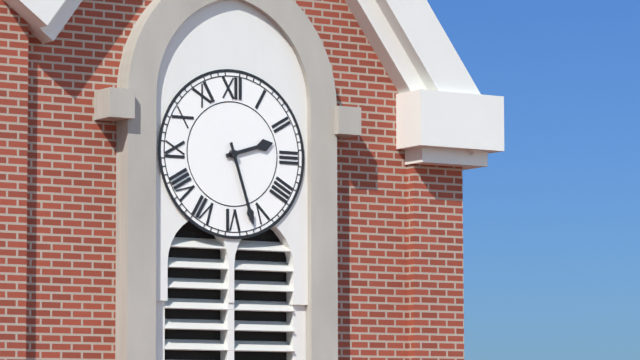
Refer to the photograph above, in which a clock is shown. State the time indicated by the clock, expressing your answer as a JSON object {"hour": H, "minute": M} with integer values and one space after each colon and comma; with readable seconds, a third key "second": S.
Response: {"hour": 2, "minute": 27}
